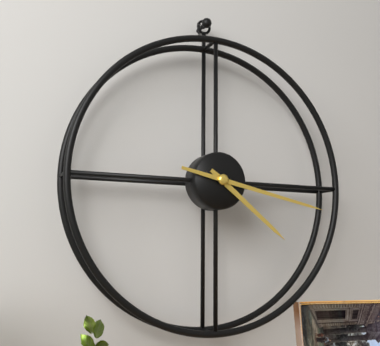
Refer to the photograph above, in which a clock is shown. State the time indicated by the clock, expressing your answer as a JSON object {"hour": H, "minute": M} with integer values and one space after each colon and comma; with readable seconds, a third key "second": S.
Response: {"hour": 4, "minute": 17}
